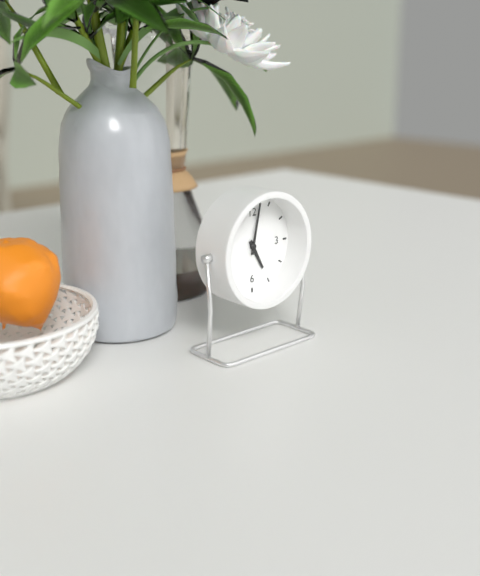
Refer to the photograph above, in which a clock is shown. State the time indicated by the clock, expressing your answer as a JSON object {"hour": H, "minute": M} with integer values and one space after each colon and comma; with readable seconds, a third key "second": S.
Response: {"hour": 5, "minute": 2}
